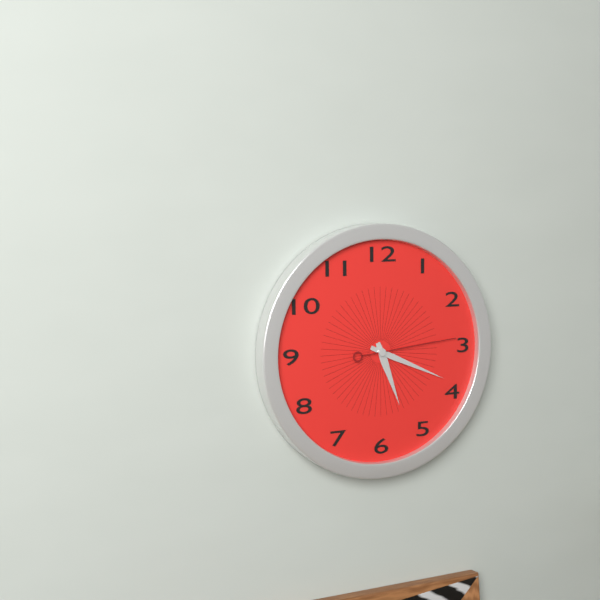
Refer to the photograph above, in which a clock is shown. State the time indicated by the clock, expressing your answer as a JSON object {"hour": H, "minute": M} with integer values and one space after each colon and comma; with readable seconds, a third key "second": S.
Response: {"hour": 5, "minute": 19, "second": 14}
